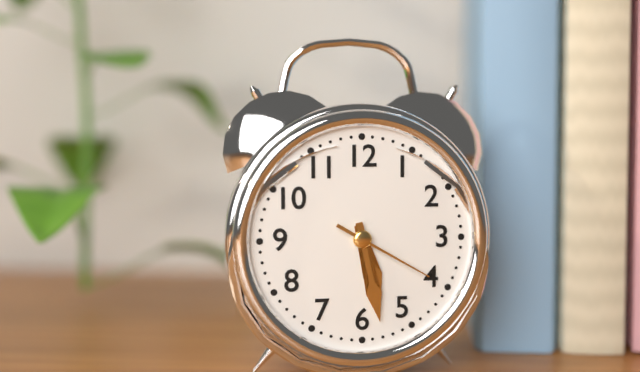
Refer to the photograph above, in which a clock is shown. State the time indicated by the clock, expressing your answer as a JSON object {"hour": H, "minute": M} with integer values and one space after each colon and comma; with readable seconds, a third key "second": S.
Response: {"hour": 5, "minute": 28, "second": 20}
